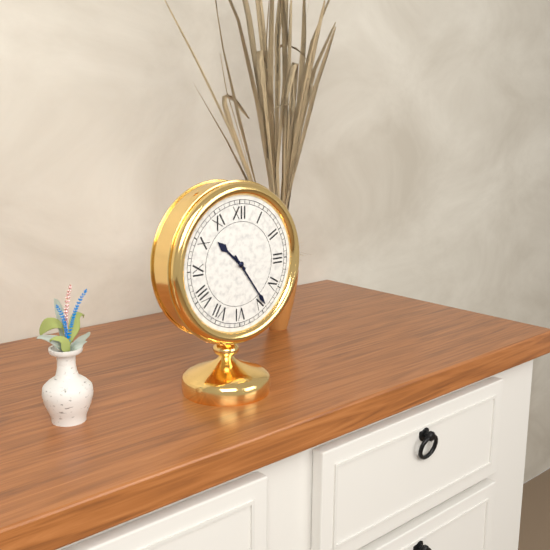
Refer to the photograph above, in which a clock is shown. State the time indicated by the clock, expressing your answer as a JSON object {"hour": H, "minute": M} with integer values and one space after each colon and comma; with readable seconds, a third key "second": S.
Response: {"hour": 10, "minute": 24}
